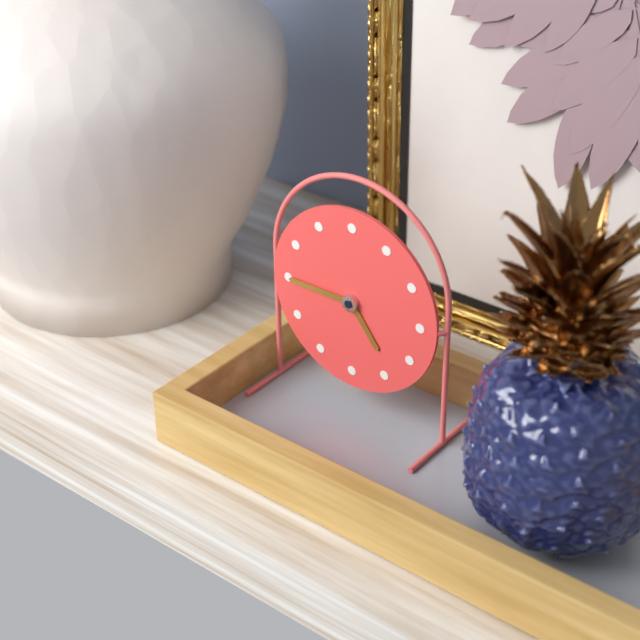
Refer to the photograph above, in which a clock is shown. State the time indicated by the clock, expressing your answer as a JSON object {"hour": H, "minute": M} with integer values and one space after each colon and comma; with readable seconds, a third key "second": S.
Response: {"hour": 4, "minute": 45}
